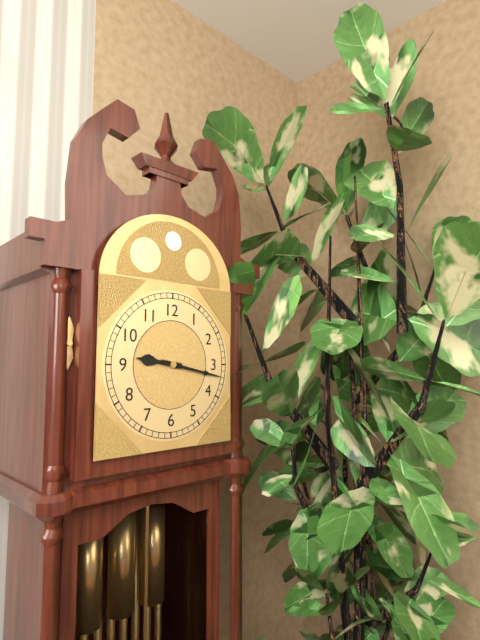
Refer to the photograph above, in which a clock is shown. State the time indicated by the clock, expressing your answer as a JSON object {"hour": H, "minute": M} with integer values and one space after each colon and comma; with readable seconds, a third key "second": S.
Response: {"hour": 9, "minute": 17}
